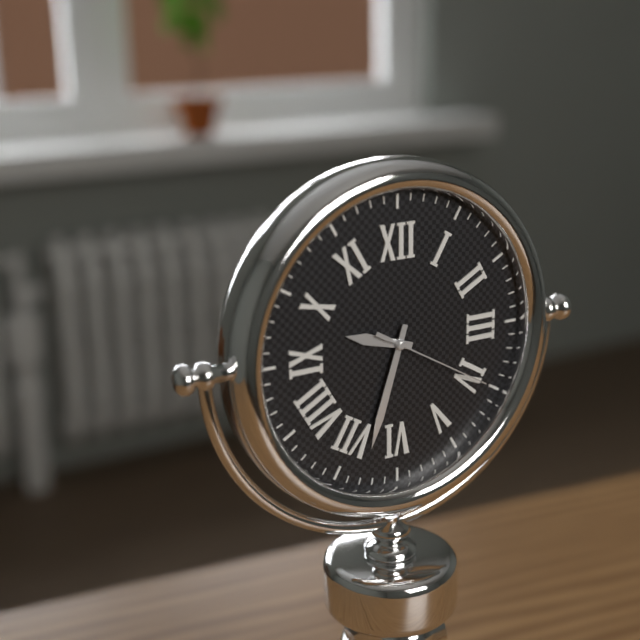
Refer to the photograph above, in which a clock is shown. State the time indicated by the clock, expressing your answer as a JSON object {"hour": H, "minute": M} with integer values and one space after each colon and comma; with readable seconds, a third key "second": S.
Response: {"hour": 9, "minute": 33, "second": 20}
